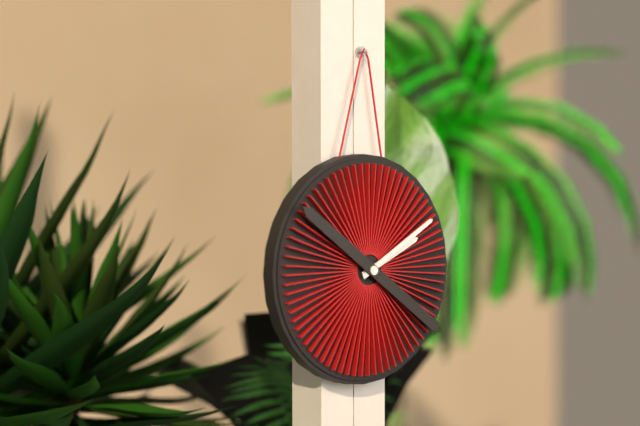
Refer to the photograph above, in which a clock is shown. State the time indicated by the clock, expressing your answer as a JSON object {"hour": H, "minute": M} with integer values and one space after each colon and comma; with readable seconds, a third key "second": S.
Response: {"hour": 2, "minute": 10, "second": 51}
